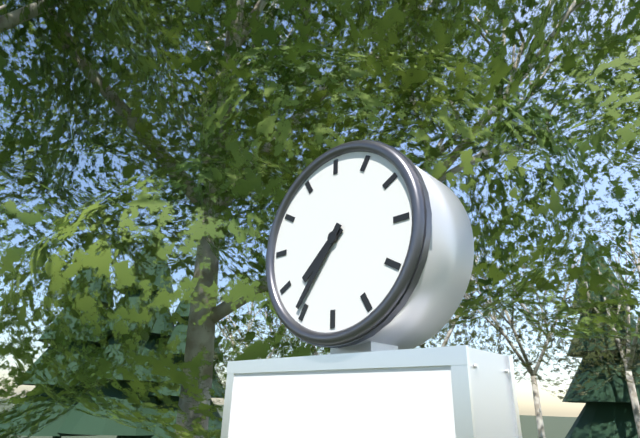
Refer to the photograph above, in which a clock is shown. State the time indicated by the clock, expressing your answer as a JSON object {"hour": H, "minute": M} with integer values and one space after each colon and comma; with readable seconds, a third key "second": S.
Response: {"hour": 7, "minute": 36}
